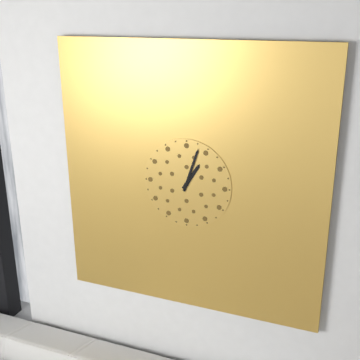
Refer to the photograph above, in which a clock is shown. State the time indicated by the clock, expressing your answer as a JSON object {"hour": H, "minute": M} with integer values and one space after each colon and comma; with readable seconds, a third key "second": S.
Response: {"hour": 1, "minute": 3}
